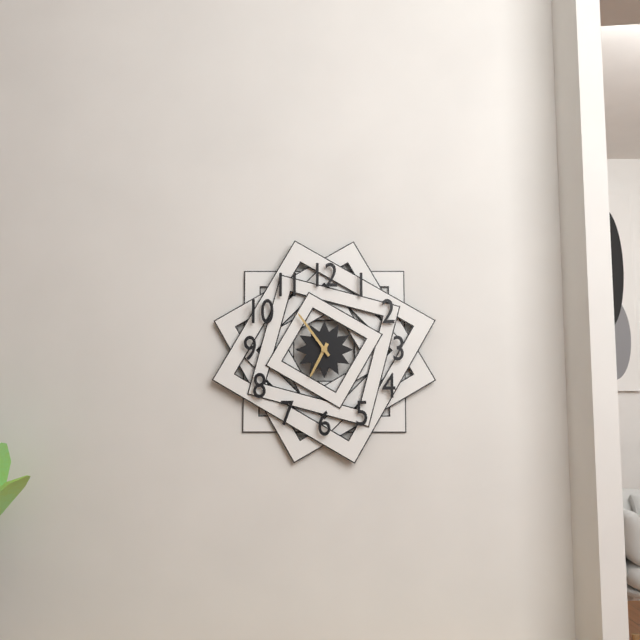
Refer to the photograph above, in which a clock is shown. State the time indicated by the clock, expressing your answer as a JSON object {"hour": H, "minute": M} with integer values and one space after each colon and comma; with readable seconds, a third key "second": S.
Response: {"hour": 6, "minute": 54}
